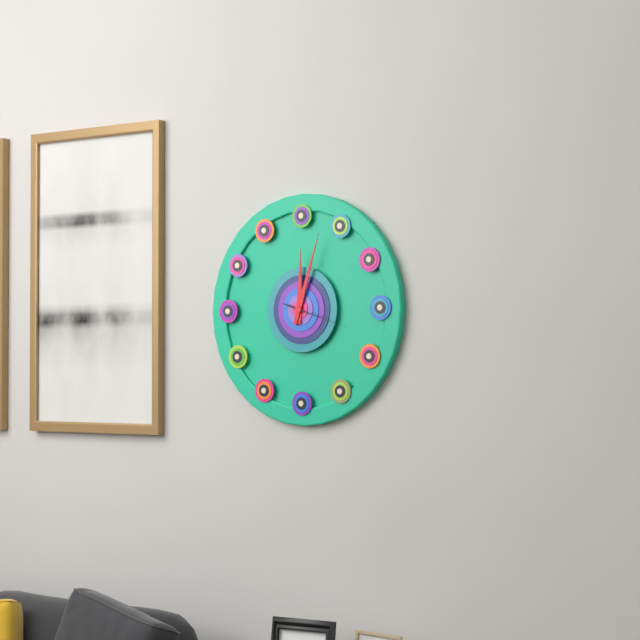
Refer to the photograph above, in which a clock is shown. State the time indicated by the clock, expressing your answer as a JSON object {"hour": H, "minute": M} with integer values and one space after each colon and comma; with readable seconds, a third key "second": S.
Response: {"hour": 12, "minute": 3, "second": 18}
